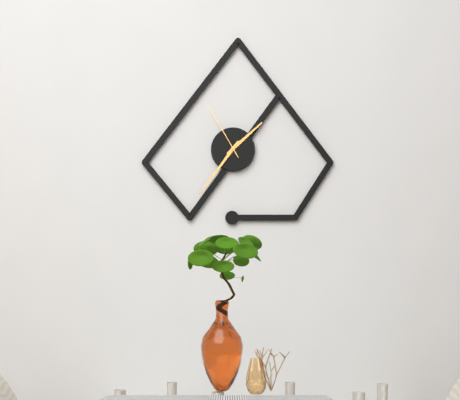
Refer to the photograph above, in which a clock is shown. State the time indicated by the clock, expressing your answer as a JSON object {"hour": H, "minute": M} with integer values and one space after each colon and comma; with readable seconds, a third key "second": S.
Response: {"hour": 1, "minute": 36, "second": 55}
